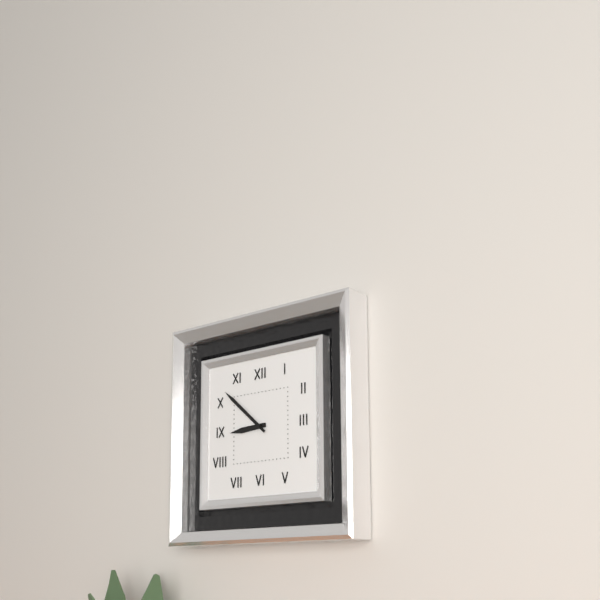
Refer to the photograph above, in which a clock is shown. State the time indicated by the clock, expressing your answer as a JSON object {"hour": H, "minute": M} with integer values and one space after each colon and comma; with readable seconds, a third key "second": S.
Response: {"hour": 8, "minute": 52}
